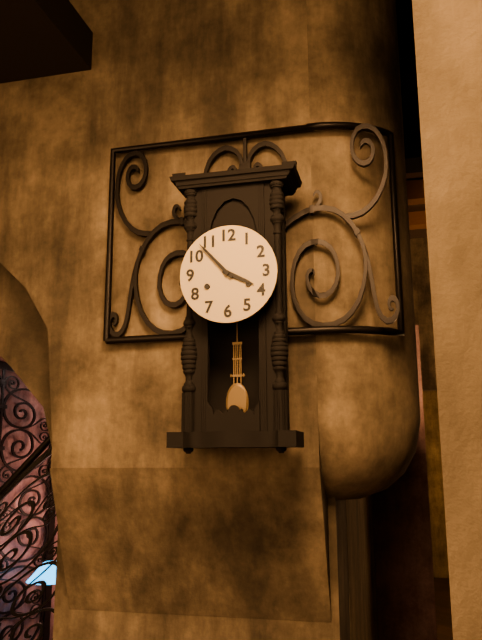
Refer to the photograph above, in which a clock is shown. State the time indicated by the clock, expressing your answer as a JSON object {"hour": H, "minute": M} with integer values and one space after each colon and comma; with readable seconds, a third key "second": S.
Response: {"hour": 3, "minute": 53}
